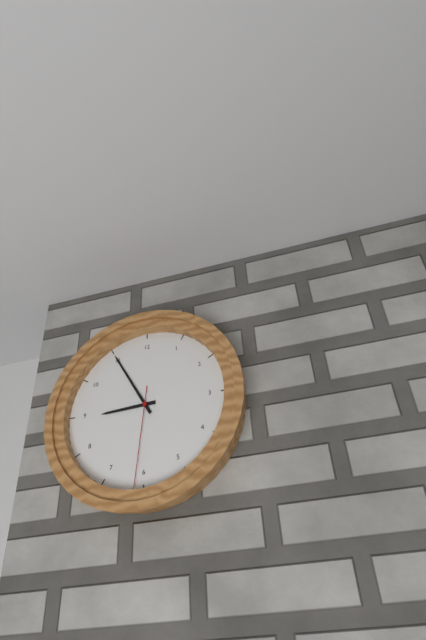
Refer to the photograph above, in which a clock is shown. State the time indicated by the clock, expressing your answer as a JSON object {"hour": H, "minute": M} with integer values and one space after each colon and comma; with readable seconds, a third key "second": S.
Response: {"hour": 8, "minute": 55, "second": 31}
